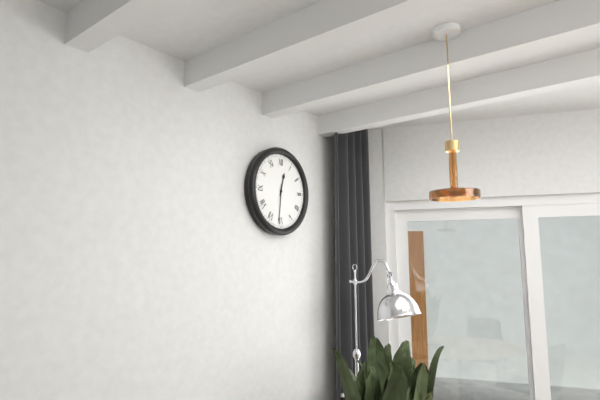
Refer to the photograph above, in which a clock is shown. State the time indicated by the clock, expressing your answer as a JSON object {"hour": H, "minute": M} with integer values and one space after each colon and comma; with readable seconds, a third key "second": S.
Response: {"hour": 12, "minute": 31}
